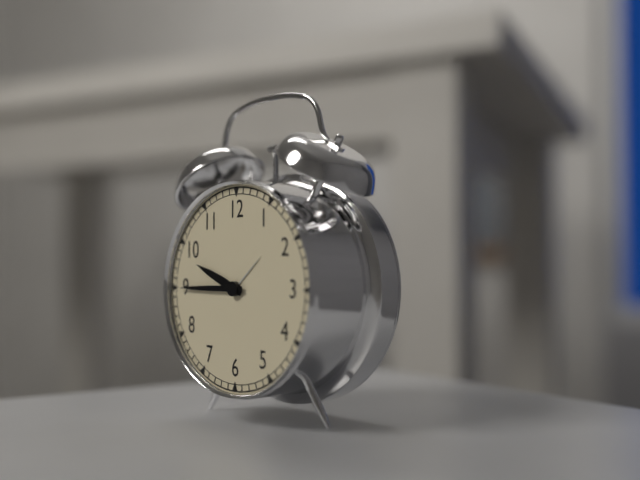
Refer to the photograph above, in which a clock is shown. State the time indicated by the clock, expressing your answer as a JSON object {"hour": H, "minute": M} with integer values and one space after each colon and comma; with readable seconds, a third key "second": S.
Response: {"hour": 9, "minute": 45}
